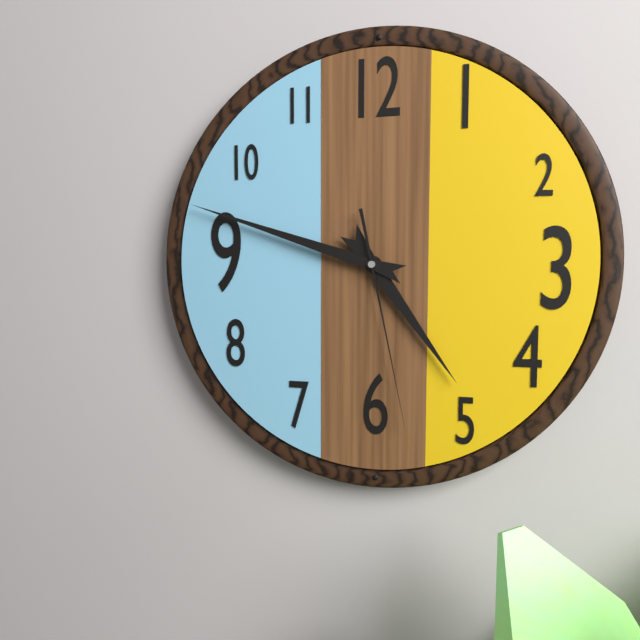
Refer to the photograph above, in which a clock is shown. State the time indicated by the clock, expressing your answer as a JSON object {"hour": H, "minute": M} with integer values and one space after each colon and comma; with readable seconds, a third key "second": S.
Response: {"hour": 4, "minute": 48, "second": 28}
